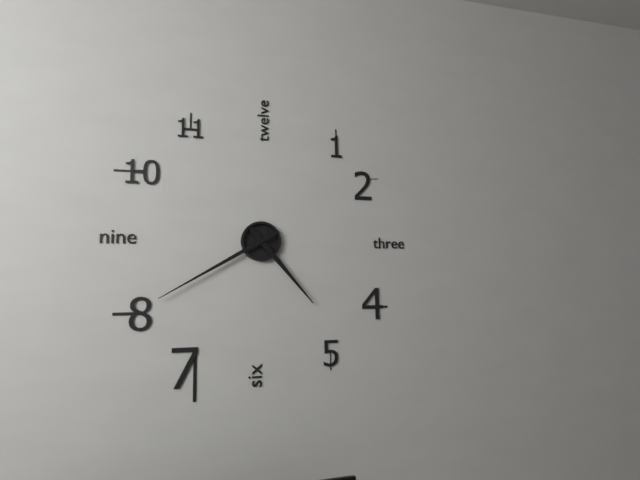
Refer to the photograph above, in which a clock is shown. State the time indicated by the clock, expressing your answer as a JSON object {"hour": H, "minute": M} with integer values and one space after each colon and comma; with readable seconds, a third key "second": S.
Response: {"hour": 4, "minute": 40}
